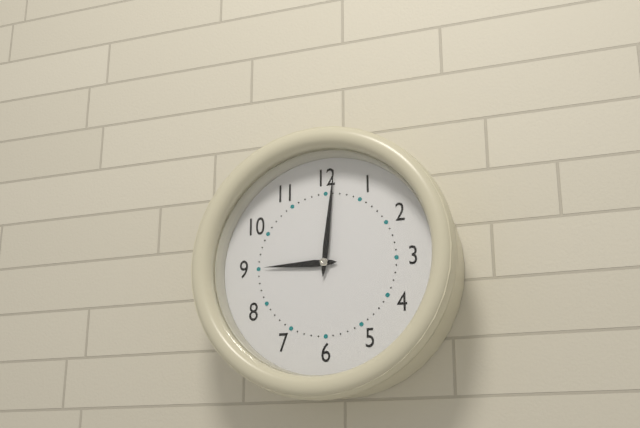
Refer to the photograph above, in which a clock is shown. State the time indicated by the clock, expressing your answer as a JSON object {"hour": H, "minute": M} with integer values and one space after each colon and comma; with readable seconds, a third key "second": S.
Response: {"hour": 9, "minute": 1}
